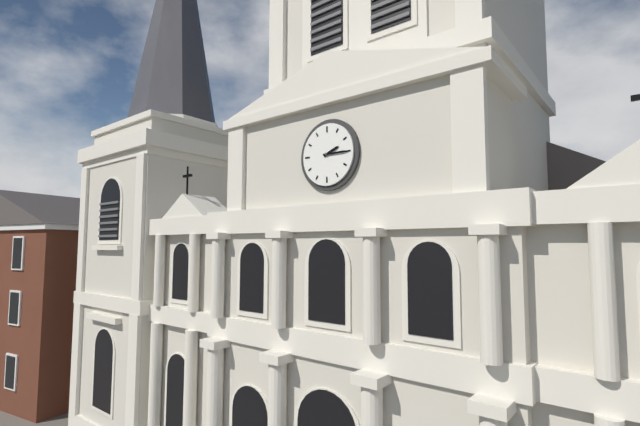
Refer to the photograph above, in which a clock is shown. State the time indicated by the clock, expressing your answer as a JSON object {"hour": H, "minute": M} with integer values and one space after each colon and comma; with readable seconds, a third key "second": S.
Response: {"hour": 2, "minute": 15}
